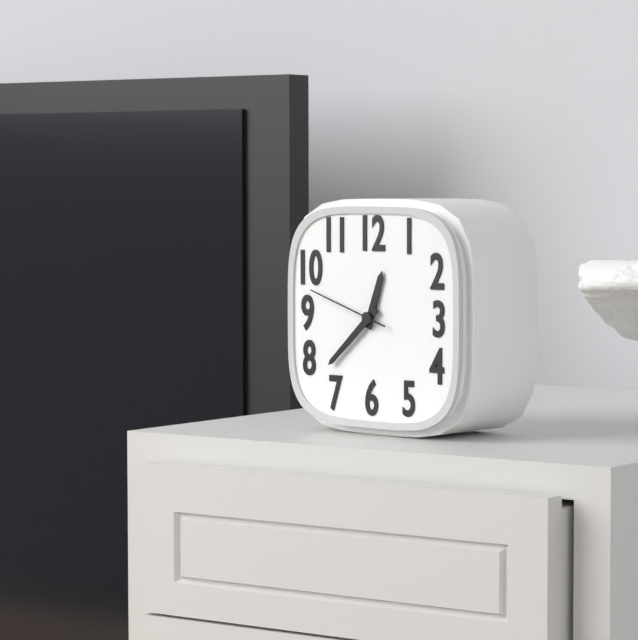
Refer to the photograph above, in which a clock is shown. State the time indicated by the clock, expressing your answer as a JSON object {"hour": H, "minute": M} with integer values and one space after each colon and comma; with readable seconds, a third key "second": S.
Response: {"hour": 12, "minute": 38, "second": 48}
